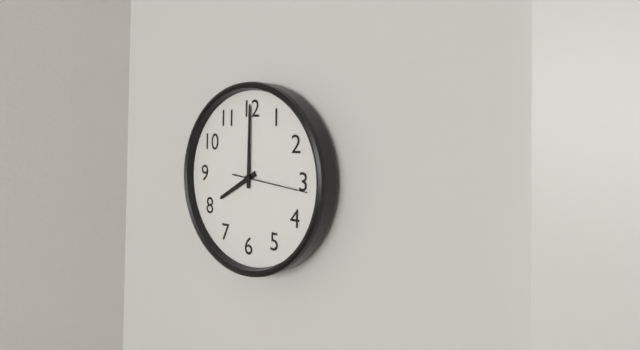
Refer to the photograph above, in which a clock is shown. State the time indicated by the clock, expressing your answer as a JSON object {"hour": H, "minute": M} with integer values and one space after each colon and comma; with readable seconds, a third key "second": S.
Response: {"hour": 8, "minute": 0, "second": 16}
